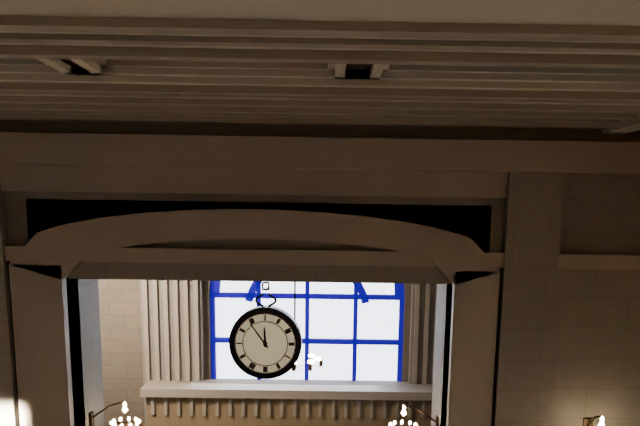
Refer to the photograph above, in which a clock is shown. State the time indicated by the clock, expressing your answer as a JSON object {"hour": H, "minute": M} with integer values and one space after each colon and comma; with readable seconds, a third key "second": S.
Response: {"hour": 11, "minute": 54}
